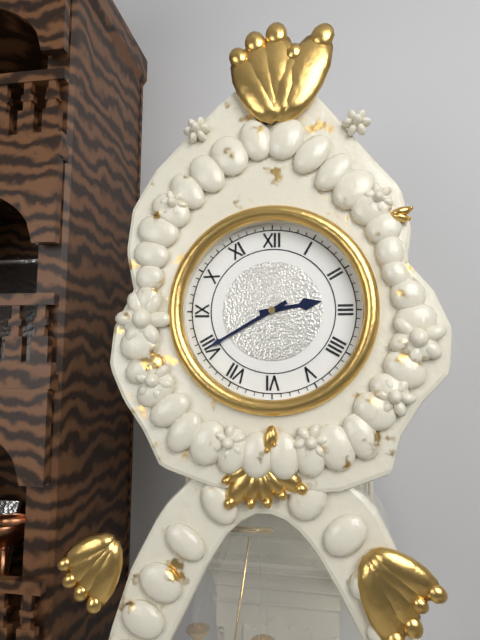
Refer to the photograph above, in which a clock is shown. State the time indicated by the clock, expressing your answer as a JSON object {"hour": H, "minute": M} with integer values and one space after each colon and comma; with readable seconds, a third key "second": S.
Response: {"hour": 2, "minute": 40}
